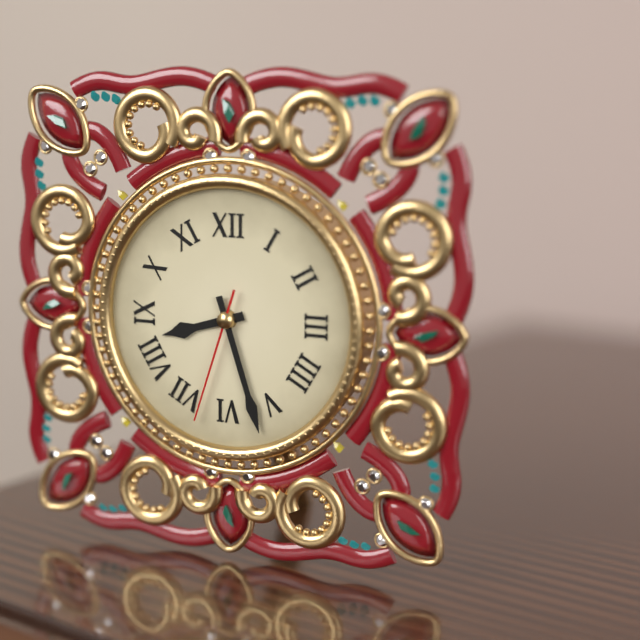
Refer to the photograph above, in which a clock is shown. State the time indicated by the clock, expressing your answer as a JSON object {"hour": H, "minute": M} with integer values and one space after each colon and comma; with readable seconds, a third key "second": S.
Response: {"hour": 8, "minute": 27, "second": 33}
